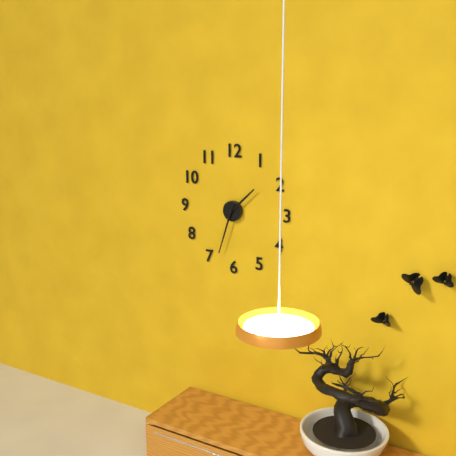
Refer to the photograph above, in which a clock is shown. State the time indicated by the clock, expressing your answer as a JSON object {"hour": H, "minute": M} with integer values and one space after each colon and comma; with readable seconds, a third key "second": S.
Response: {"hour": 1, "minute": 33}
